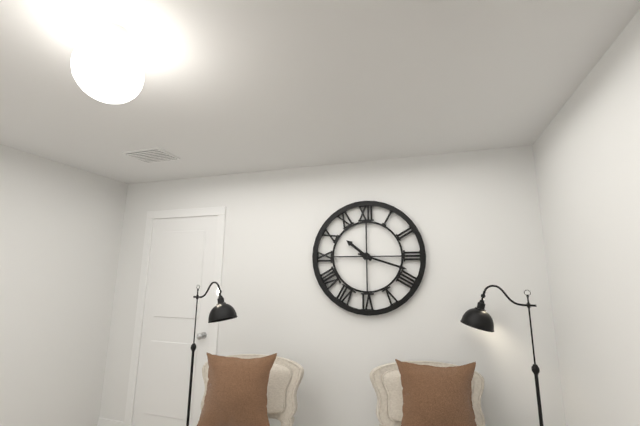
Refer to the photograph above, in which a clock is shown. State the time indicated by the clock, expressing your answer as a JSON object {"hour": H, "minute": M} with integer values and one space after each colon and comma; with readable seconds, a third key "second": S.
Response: {"hour": 10, "minute": 18}
